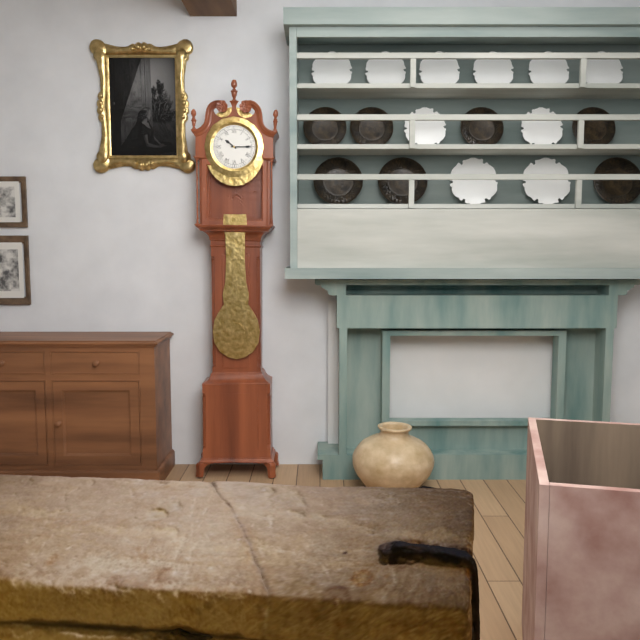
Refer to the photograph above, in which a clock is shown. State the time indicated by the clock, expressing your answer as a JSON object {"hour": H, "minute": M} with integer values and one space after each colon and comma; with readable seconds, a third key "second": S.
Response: {"hour": 10, "minute": 15}
